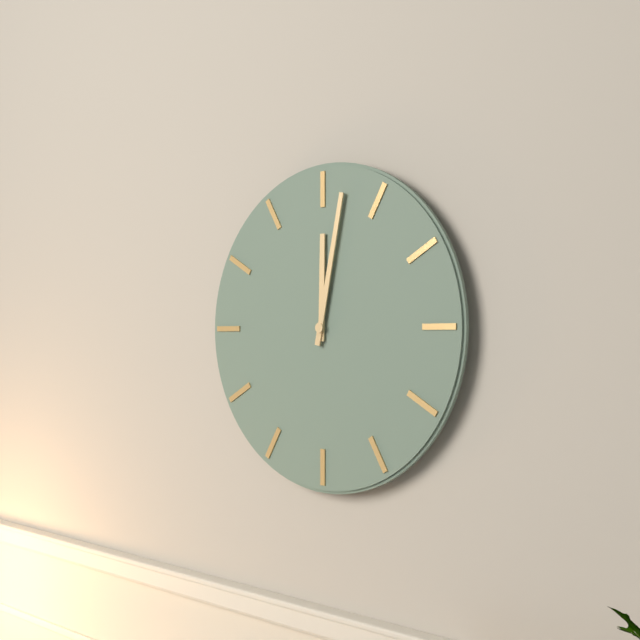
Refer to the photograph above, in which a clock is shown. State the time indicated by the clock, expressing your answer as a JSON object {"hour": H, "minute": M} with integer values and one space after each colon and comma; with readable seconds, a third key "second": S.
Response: {"hour": 12, "minute": 2}
